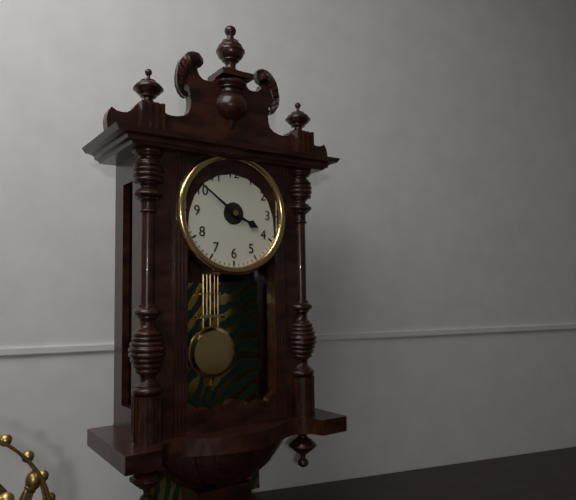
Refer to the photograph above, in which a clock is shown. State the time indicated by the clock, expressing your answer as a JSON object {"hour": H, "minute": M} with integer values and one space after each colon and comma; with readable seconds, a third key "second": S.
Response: {"hour": 3, "minute": 51}
